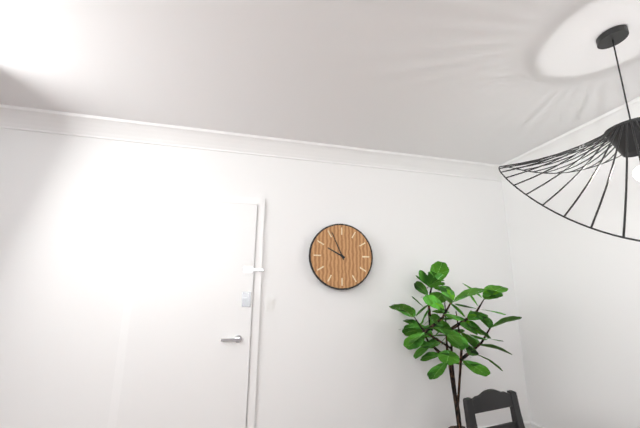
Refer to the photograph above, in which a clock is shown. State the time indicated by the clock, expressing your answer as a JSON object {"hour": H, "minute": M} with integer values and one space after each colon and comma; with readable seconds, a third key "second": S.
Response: {"hour": 9, "minute": 56}
